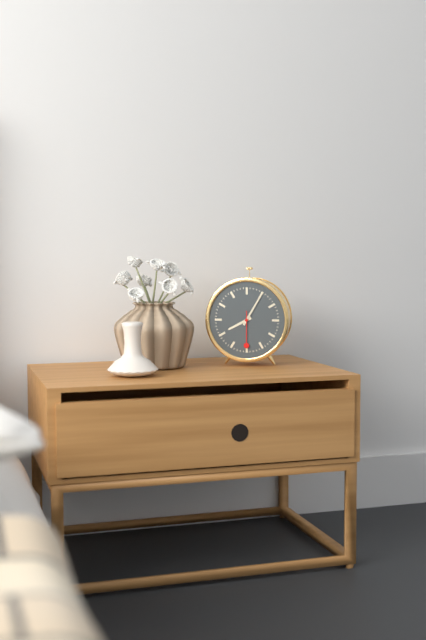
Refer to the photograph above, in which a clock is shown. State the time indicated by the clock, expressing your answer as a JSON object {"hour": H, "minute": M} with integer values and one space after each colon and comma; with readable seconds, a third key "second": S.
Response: {"hour": 8, "minute": 5}
